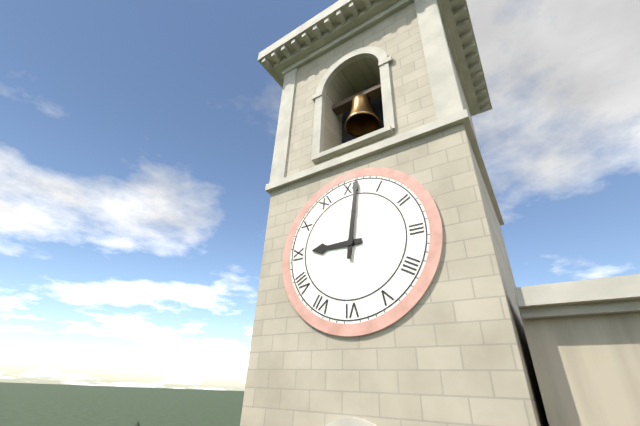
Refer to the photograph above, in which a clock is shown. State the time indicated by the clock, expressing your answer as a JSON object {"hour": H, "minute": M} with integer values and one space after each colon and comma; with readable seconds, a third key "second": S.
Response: {"hour": 9, "minute": 1}
